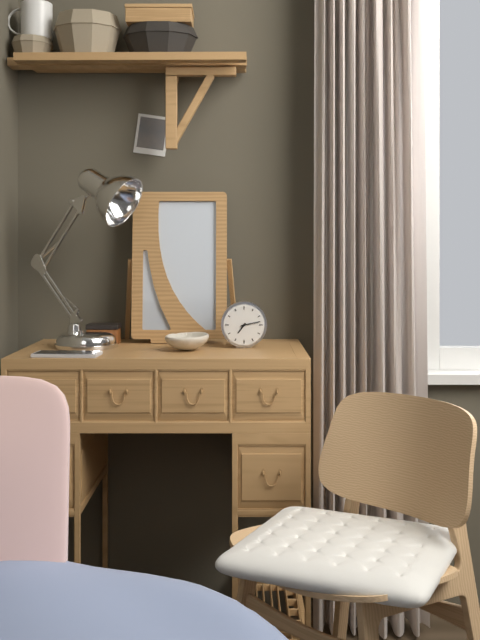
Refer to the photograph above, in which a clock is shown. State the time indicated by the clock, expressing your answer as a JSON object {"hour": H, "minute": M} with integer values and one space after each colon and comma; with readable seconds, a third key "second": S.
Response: {"hour": 7, "minute": 13}
